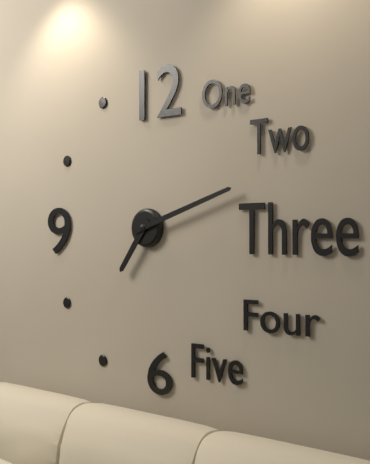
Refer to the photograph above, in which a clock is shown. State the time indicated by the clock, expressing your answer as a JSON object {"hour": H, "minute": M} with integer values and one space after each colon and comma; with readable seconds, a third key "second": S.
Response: {"hour": 7, "minute": 12}
